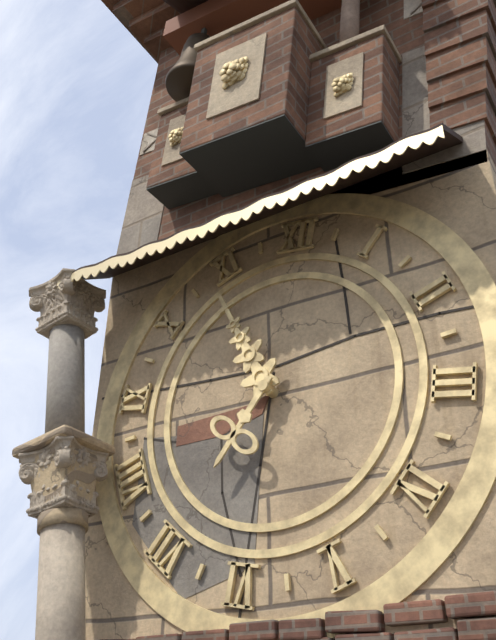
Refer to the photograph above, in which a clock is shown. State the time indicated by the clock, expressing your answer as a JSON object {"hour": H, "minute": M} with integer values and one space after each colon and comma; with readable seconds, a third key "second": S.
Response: {"hour": 6, "minute": 54}
